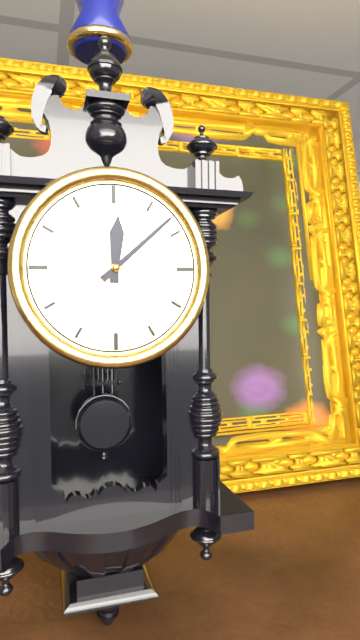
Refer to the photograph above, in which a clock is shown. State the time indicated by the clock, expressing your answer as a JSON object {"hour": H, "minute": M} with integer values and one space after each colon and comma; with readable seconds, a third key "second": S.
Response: {"hour": 12, "minute": 8}
